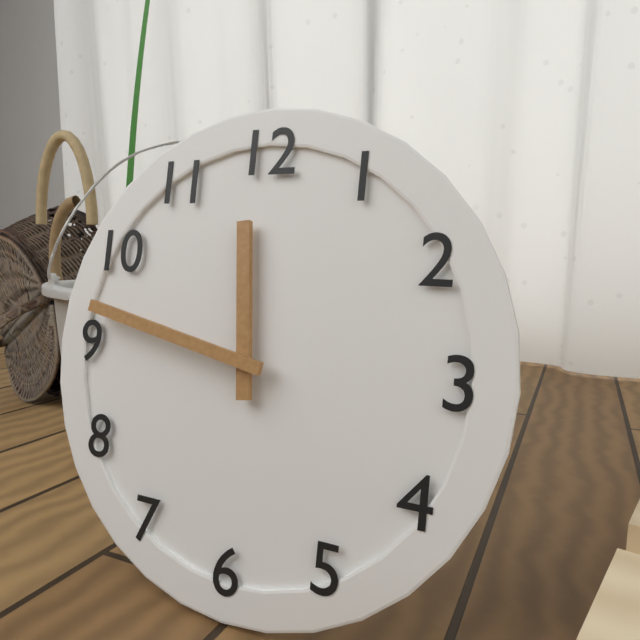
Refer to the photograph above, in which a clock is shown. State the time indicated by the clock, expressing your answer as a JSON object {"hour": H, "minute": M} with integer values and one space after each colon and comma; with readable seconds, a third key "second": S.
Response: {"hour": 11, "minute": 47}
